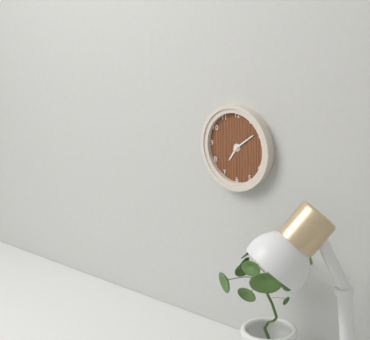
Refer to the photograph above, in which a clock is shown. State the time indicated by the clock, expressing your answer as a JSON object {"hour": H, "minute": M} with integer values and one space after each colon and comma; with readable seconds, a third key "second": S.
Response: {"hour": 7, "minute": 9}
